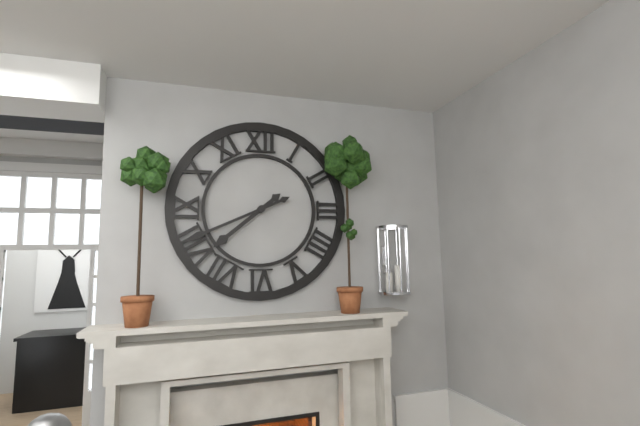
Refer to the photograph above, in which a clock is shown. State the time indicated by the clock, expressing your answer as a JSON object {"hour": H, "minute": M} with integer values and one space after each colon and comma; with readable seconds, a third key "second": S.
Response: {"hour": 7, "minute": 41}
